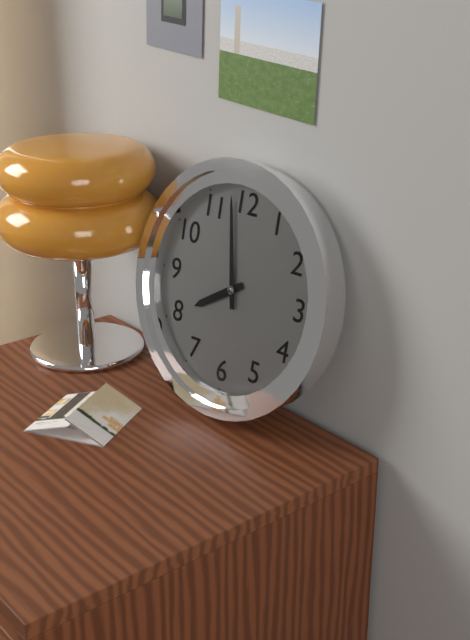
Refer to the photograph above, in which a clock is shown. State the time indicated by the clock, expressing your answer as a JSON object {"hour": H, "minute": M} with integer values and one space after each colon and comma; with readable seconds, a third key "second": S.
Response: {"hour": 7, "minute": 58}
